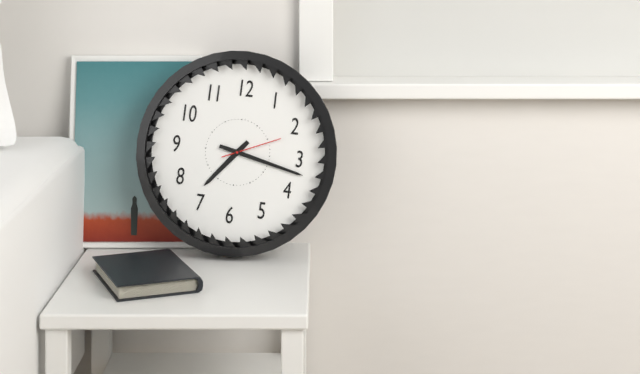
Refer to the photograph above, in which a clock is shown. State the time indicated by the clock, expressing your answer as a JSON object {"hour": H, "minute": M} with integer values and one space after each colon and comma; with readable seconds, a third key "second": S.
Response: {"hour": 7, "minute": 17, "second": 11}
